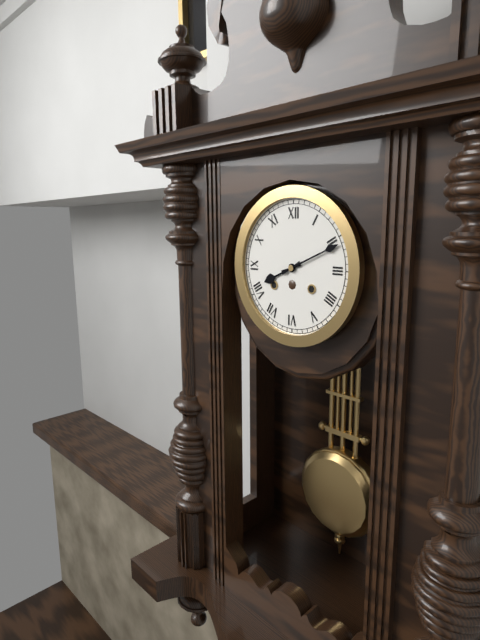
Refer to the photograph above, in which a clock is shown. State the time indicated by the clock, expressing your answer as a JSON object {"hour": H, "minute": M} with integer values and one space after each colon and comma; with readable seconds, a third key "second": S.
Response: {"hour": 8, "minute": 11}
